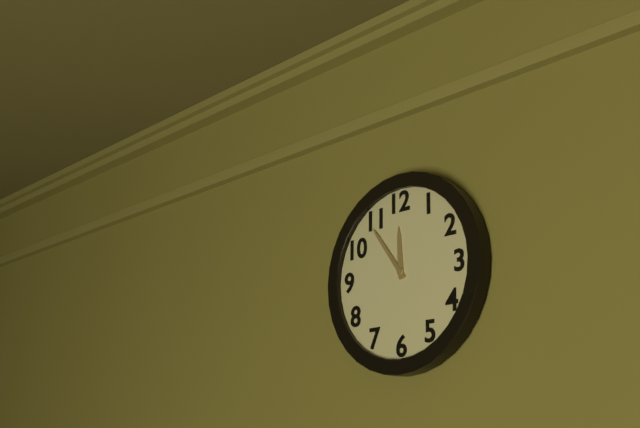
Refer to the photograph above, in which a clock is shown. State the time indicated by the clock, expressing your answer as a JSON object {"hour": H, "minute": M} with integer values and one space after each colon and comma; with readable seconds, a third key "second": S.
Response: {"hour": 11, "minute": 54}
